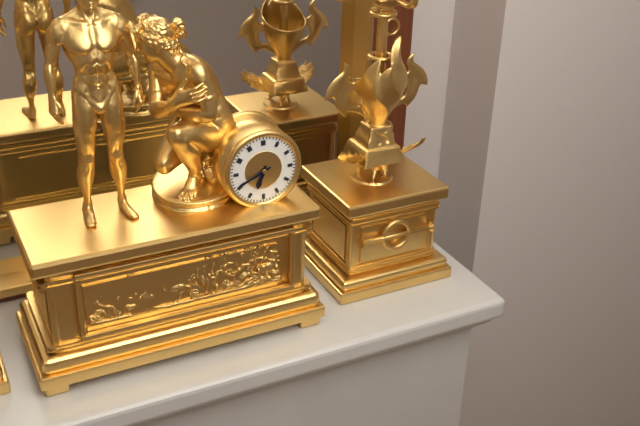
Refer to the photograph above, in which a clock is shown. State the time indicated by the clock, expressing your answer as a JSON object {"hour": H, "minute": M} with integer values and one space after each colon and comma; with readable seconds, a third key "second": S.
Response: {"hour": 6, "minute": 41}
